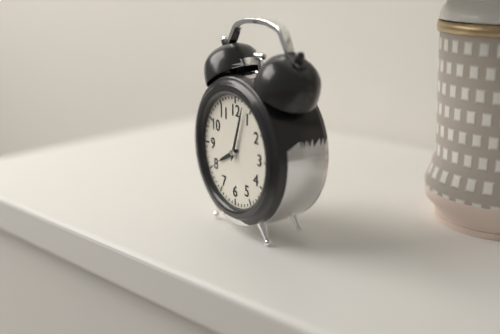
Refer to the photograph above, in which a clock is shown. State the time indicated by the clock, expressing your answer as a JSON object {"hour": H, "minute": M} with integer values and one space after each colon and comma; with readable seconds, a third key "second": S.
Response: {"hour": 8, "minute": 3}
